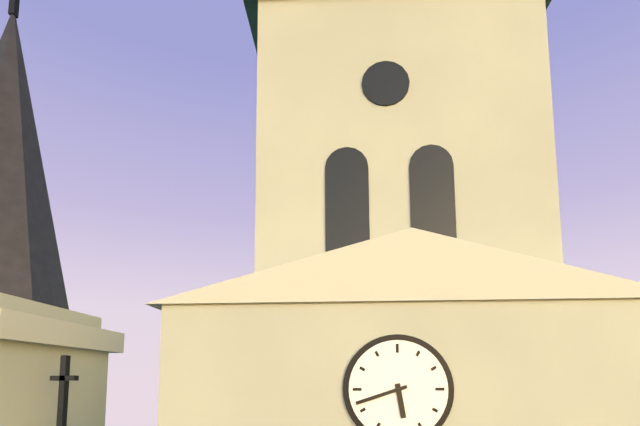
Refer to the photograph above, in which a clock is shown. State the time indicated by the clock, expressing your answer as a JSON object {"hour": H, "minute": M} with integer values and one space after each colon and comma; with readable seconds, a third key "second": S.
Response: {"hour": 5, "minute": 42}
